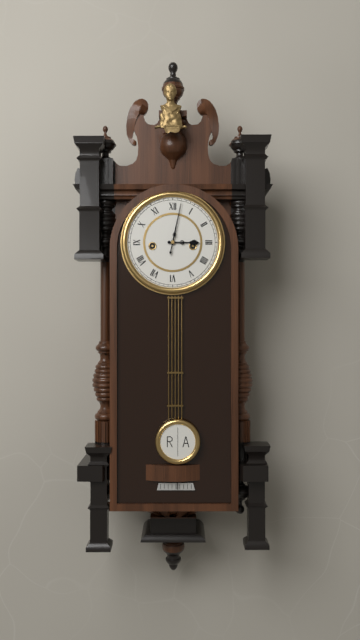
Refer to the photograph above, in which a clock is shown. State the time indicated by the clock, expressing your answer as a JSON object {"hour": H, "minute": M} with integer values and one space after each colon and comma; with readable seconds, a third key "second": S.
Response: {"hour": 3, "minute": 2}
